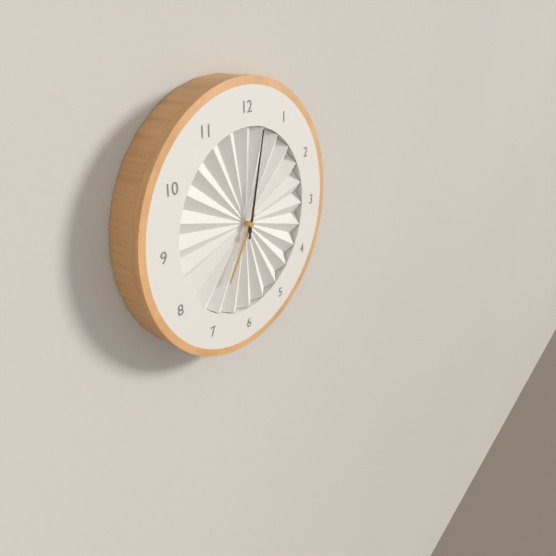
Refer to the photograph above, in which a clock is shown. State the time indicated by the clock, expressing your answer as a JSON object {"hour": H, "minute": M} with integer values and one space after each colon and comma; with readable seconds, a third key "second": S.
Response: {"hour": 7, "minute": 2}
